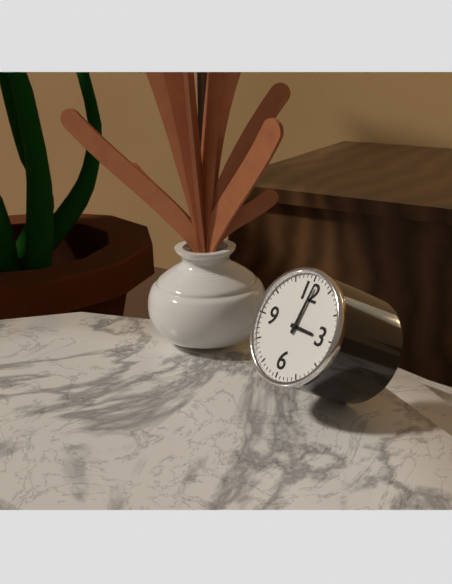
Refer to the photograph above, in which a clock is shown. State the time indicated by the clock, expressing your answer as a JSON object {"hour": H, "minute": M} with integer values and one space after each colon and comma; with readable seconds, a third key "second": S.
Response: {"hour": 3, "minute": 1}
